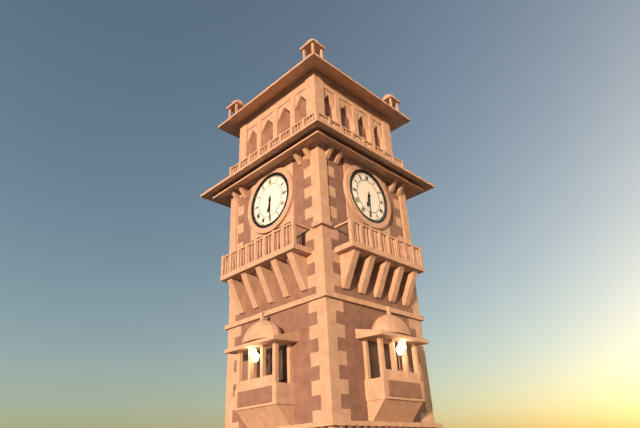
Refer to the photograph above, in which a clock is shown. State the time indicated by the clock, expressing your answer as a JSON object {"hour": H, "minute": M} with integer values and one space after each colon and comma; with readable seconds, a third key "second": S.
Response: {"hour": 6, "minute": 30}
